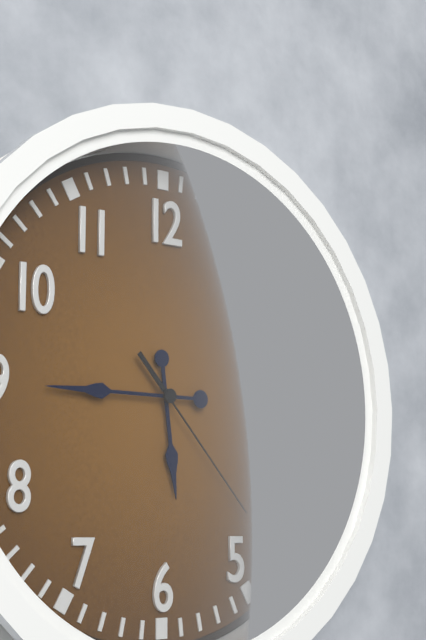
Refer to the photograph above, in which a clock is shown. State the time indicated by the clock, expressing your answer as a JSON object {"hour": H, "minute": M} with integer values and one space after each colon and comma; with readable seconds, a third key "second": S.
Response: {"hour": 5, "minute": 45, "second": 23}
